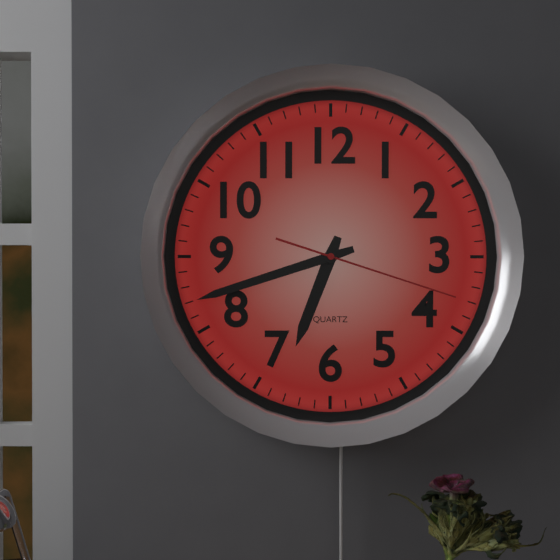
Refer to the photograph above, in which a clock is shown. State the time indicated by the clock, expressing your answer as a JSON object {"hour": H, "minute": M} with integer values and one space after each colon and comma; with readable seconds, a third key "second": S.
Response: {"hour": 6, "minute": 42, "second": 18}
